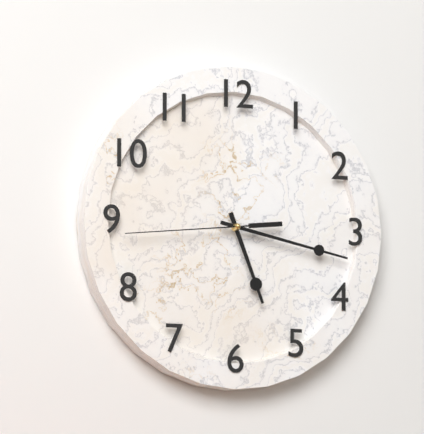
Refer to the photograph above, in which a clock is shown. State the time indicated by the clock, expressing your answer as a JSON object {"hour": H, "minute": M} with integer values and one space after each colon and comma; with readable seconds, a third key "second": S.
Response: {"hour": 5, "minute": 17, "second": 44}
